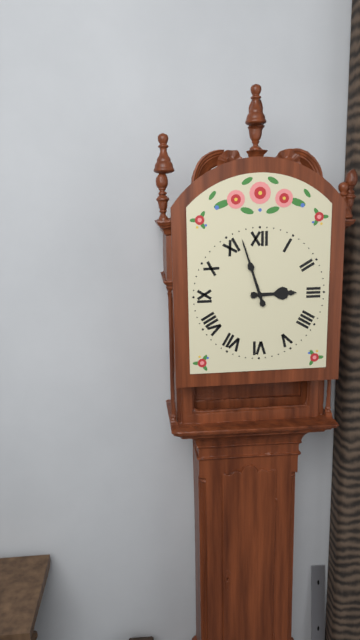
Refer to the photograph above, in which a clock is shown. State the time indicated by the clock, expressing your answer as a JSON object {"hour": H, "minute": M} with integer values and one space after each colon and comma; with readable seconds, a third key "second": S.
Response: {"hour": 2, "minute": 57}
